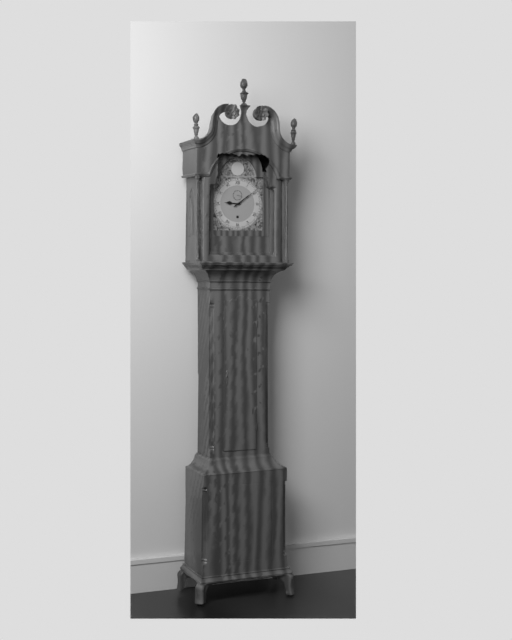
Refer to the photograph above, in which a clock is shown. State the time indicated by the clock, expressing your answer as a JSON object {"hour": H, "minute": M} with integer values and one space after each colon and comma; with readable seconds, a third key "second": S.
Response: {"hour": 9, "minute": 9}
